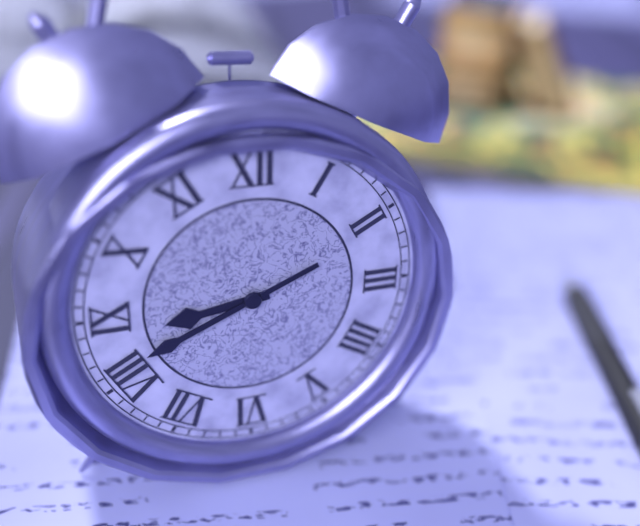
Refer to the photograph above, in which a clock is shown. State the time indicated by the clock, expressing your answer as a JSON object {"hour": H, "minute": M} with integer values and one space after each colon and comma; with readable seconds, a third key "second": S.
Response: {"hour": 8, "minute": 41}
